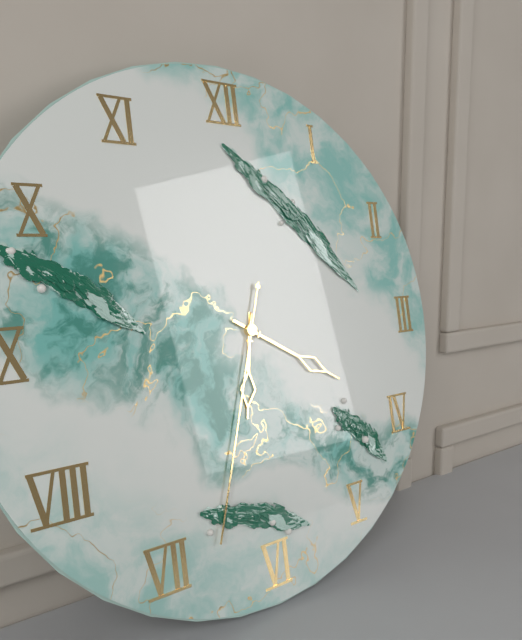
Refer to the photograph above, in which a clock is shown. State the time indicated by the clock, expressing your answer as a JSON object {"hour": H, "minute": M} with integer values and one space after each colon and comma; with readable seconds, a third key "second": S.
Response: {"hour": 6, "minute": 20, "second": 33}
